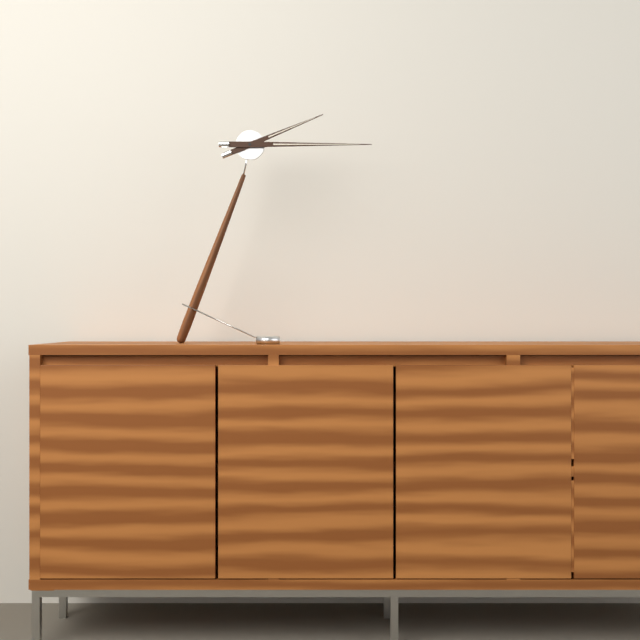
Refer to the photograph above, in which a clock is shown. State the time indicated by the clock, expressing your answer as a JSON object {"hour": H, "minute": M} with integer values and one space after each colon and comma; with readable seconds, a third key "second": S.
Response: {"hour": 2, "minute": 15}
